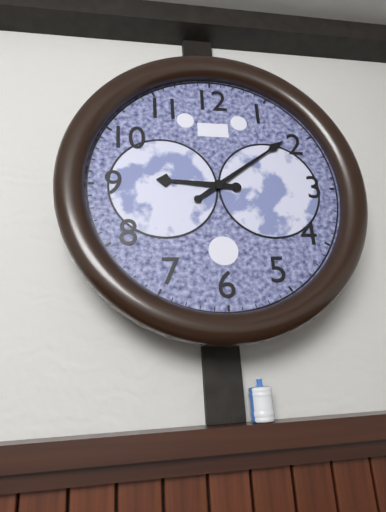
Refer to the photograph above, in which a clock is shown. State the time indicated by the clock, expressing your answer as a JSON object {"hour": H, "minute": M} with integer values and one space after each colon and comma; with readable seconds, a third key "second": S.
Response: {"hour": 9, "minute": 9}
